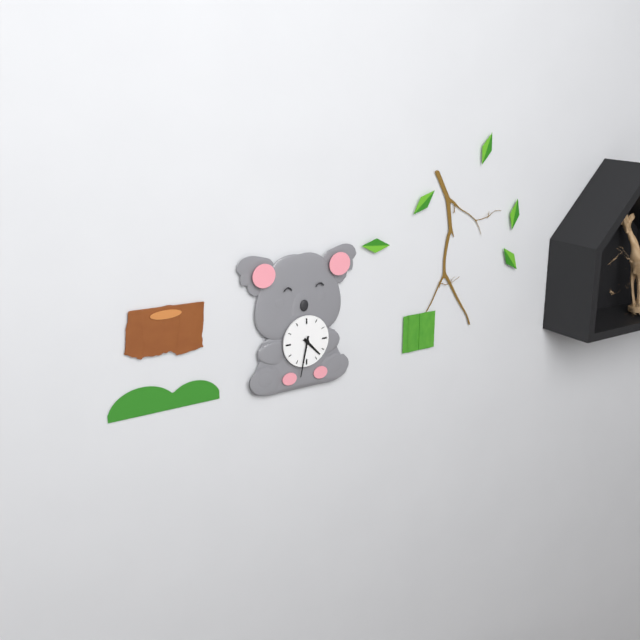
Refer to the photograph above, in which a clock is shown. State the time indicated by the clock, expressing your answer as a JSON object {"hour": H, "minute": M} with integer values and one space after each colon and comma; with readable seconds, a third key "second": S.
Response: {"hour": 4, "minute": 32}
